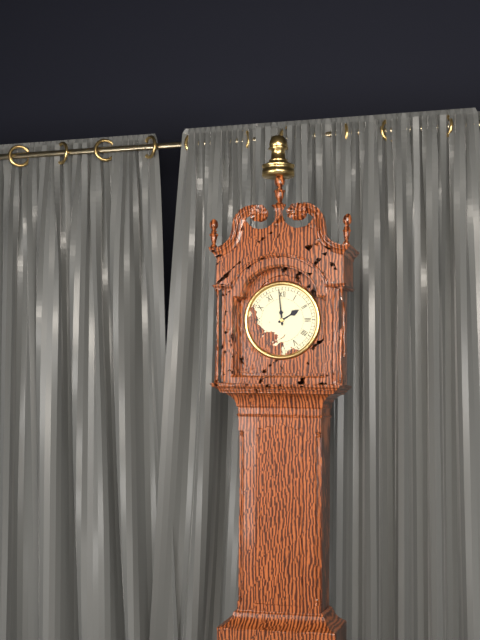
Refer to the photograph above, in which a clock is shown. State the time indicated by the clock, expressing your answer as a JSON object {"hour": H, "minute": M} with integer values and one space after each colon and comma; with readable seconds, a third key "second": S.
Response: {"hour": 1, "minute": 59}
